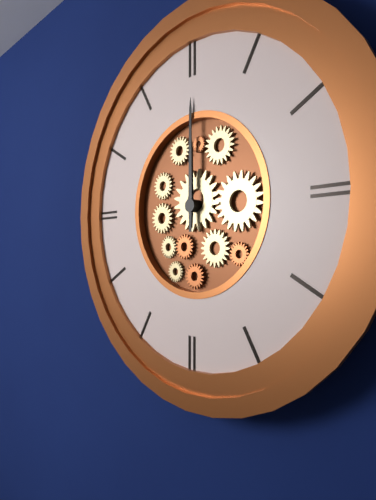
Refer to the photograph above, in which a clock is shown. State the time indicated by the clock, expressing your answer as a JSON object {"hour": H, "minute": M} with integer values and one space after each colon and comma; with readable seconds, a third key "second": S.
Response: {"hour": 12, "minute": 0}
